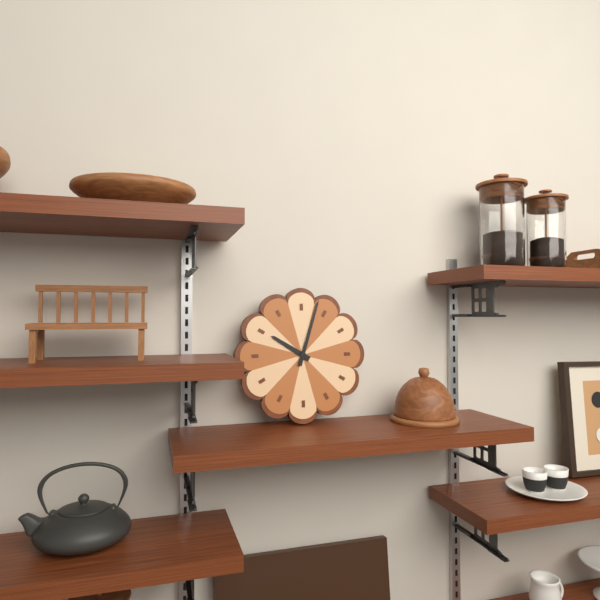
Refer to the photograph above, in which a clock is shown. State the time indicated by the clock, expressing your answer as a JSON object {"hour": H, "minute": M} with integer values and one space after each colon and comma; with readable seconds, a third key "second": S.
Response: {"hour": 10, "minute": 3}
